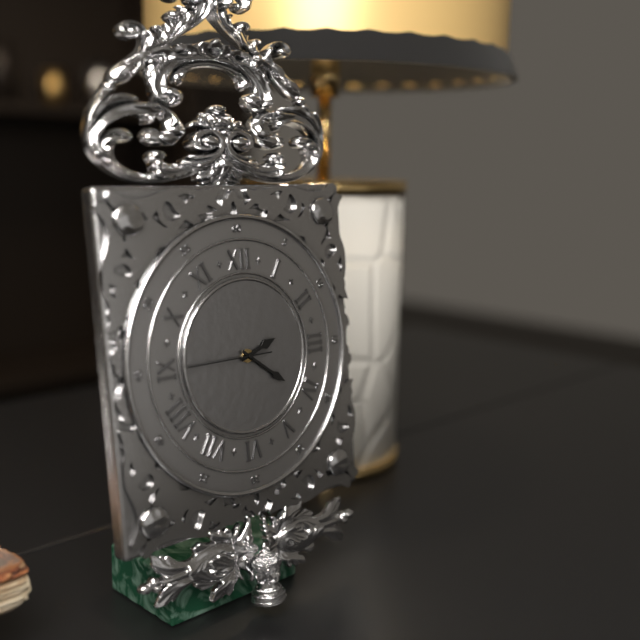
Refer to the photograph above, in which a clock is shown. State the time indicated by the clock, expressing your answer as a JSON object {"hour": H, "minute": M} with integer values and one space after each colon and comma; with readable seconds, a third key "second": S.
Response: {"hour": 2, "minute": 21, "second": 45}
